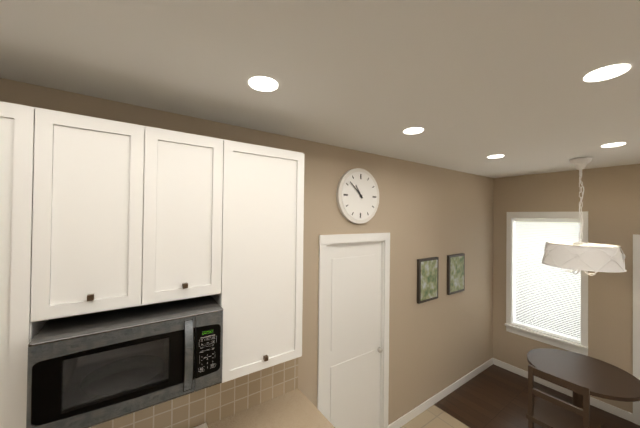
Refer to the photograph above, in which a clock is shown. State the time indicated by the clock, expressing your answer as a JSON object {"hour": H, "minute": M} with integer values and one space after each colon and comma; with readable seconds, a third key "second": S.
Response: {"hour": 10, "minute": 52}
